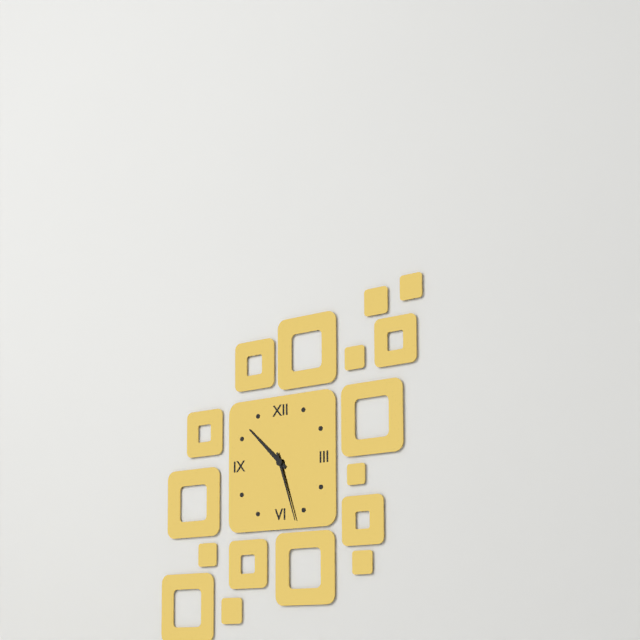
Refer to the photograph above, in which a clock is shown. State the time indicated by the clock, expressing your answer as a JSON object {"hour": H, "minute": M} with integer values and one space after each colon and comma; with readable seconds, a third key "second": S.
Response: {"hour": 10, "minute": 27}
